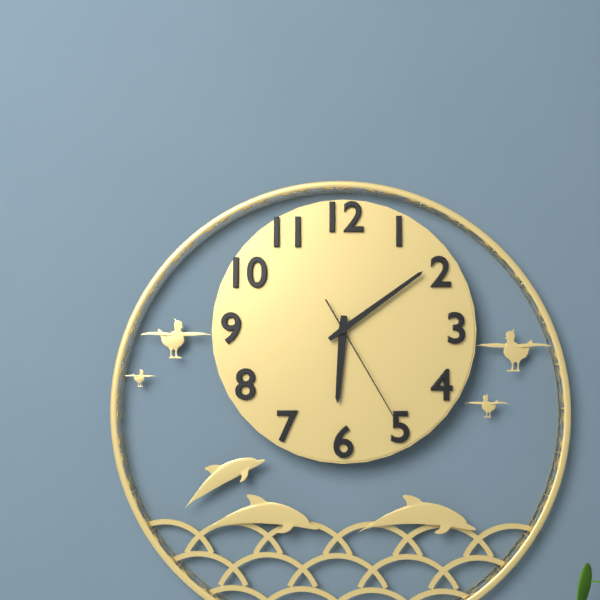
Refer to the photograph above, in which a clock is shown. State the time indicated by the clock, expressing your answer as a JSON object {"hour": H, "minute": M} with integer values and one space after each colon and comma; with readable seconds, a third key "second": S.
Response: {"hour": 6, "minute": 9, "second": 25}
